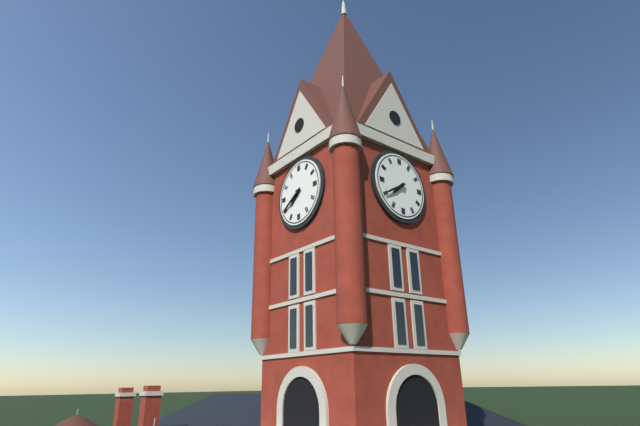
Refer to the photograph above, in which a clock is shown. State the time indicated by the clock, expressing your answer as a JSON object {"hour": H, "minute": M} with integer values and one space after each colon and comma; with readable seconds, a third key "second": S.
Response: {"hour": 7, "minute": 40}
